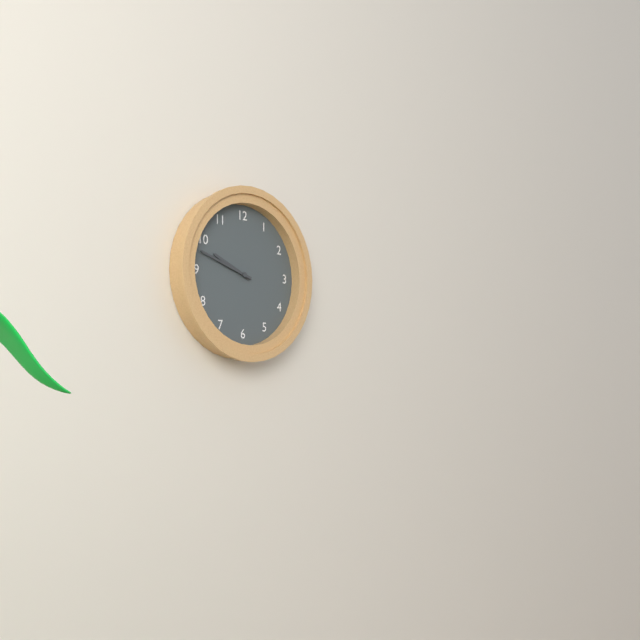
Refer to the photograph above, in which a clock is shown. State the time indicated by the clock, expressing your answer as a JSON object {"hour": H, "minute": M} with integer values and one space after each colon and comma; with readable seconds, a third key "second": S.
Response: {"hour": 9, "minute": 48}
